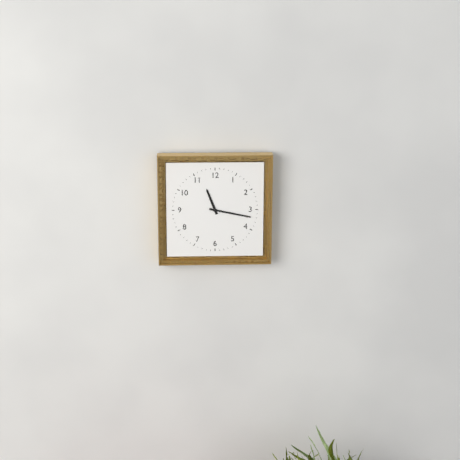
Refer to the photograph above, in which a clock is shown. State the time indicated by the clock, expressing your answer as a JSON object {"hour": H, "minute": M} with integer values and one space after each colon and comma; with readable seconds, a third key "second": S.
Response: {"hour": 11, "minute": 17}
